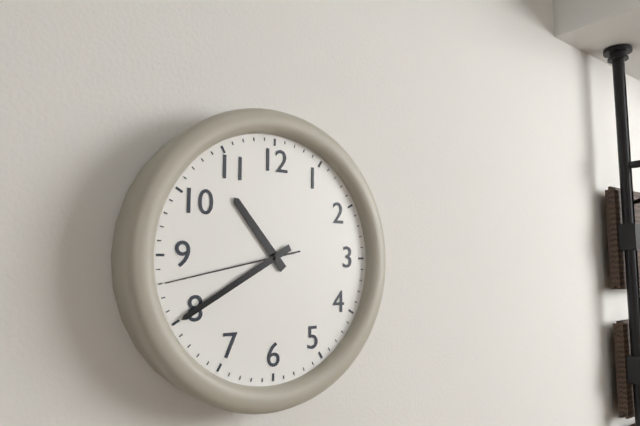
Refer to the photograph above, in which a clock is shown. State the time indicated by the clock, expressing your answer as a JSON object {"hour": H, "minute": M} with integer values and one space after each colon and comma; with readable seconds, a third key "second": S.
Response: {"hour": 10, "minute": 40, "second": 43}
